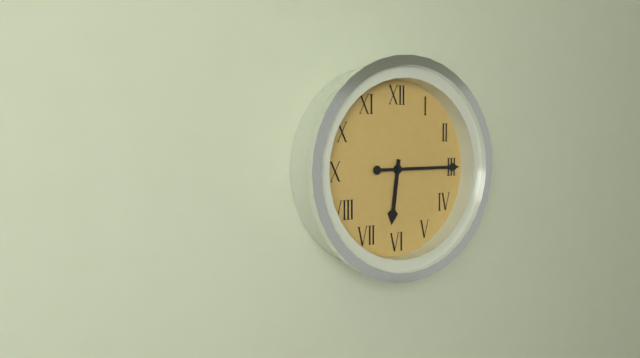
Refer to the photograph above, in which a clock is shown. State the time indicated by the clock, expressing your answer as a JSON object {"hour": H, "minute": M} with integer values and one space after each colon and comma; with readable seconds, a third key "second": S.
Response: {"hour": 6, "minute": 15}
